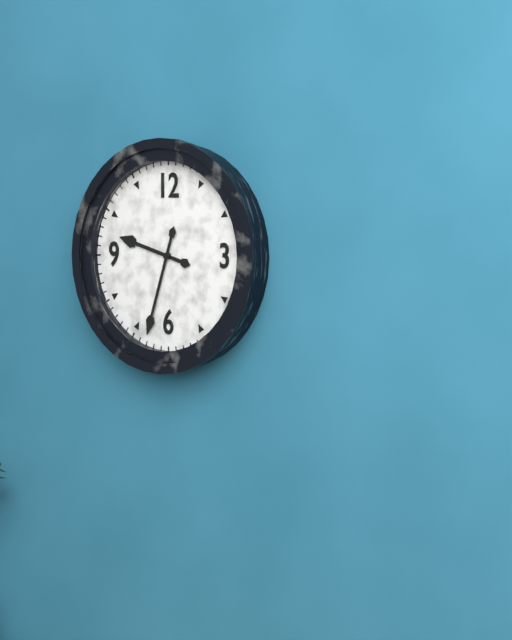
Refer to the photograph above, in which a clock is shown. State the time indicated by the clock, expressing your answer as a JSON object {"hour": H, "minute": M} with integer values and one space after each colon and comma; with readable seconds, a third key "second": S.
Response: {"hour": 9, "minute": 33}
